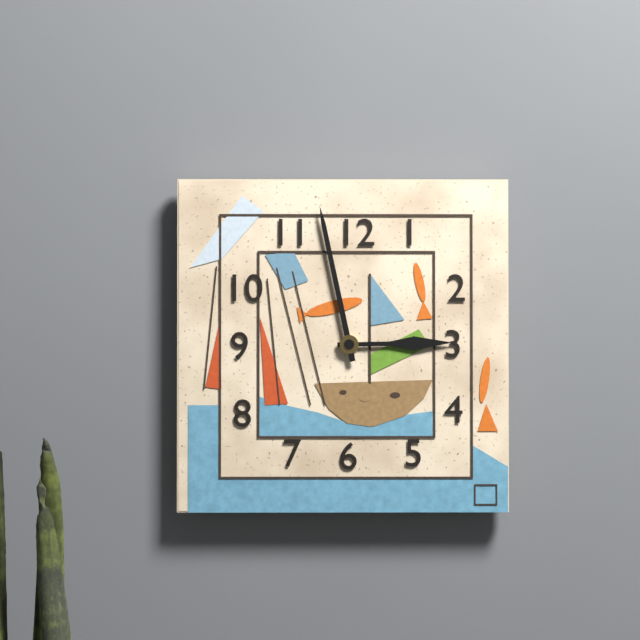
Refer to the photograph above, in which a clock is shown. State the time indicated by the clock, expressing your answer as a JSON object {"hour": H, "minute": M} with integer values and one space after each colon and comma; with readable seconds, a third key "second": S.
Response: {"hour": 2, "minute": 58}
